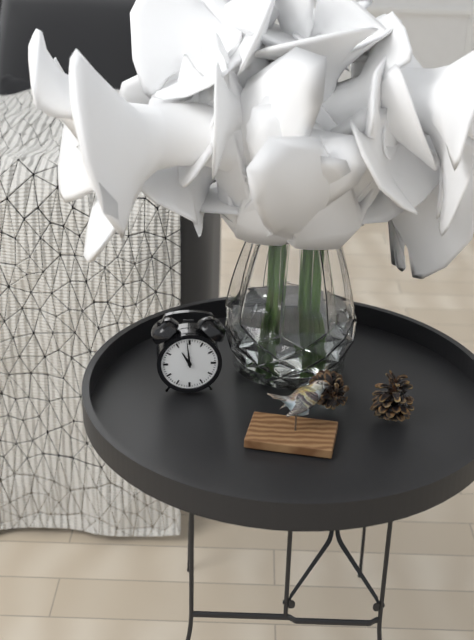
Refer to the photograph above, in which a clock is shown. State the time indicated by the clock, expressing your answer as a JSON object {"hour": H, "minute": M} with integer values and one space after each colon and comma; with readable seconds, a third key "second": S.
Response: {"hour": 10, "minute": 59}
